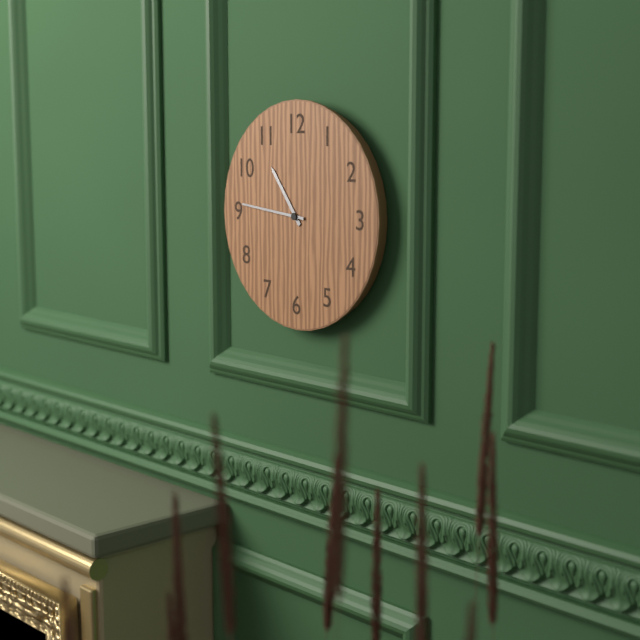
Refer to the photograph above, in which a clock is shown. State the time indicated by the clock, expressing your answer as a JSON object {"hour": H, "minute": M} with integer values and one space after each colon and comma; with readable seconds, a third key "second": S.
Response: {"hour": 10, "minute": 46}
